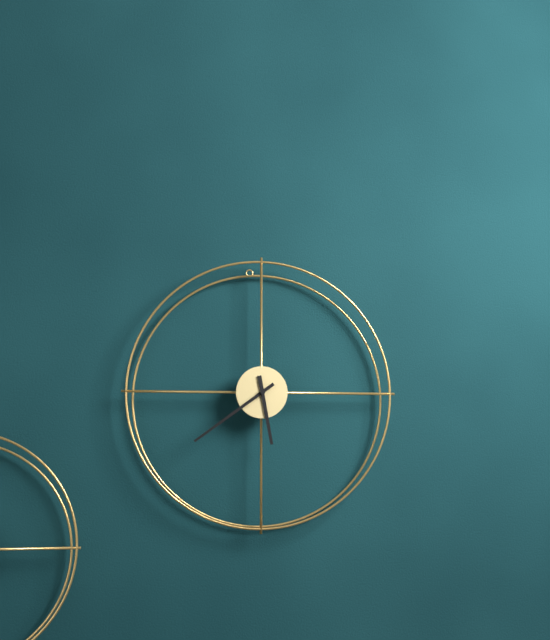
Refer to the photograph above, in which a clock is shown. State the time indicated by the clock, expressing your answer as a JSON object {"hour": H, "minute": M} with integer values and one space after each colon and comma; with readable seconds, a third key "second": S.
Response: {"hour": 5, "minute": 39}
